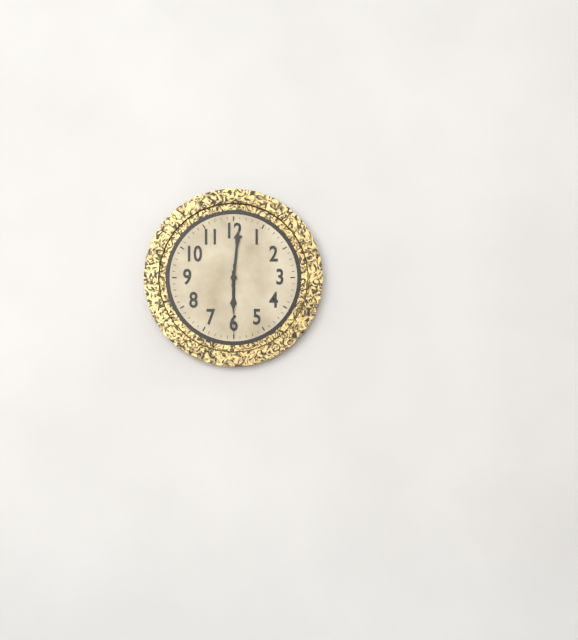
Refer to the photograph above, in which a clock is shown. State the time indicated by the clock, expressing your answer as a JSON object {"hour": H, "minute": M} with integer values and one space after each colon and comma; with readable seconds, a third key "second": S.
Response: {"hour": 6, "minute": 1, "second": 30}
